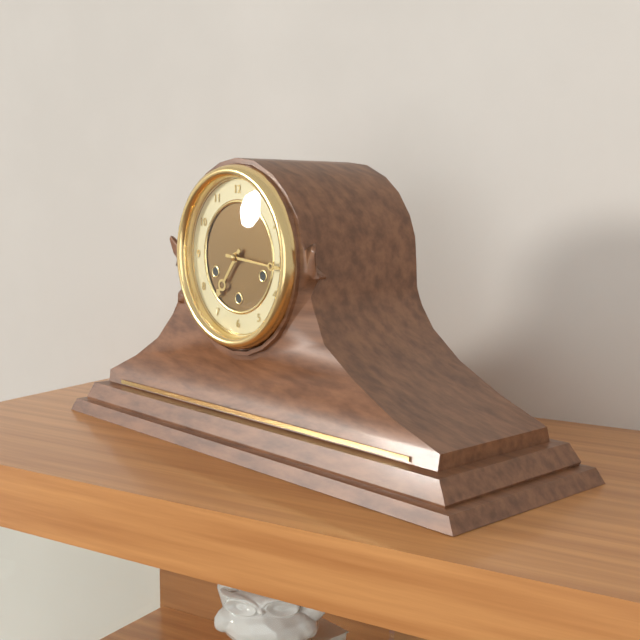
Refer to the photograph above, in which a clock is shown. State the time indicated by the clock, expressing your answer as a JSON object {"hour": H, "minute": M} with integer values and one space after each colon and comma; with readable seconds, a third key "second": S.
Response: {"hour": 7, "minute": 16}
